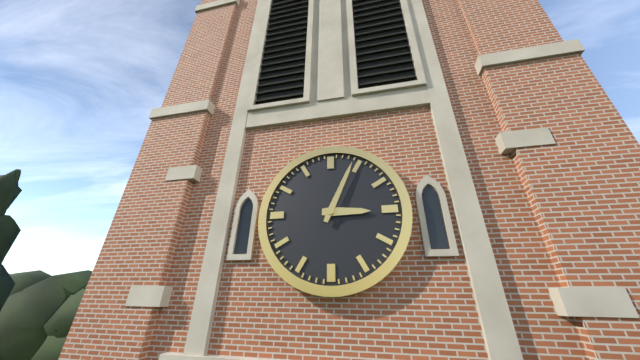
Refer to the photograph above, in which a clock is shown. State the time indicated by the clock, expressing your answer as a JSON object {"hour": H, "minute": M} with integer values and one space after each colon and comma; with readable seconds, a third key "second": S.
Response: {"hour": 3, "minute": 4}
